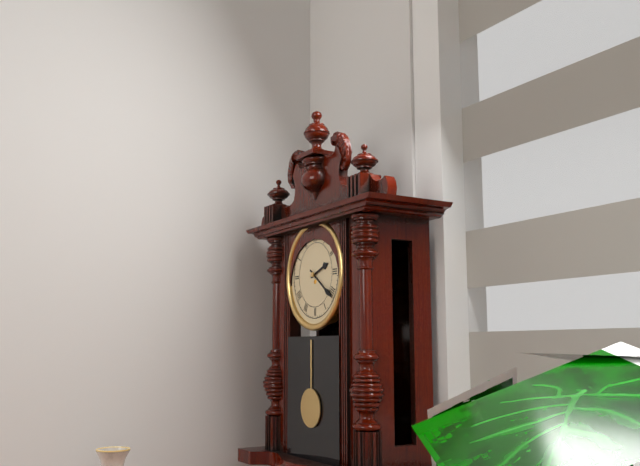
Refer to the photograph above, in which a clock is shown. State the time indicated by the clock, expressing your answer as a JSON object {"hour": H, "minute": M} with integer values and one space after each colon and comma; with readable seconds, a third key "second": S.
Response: {"hour": 2, "minute": 21}
